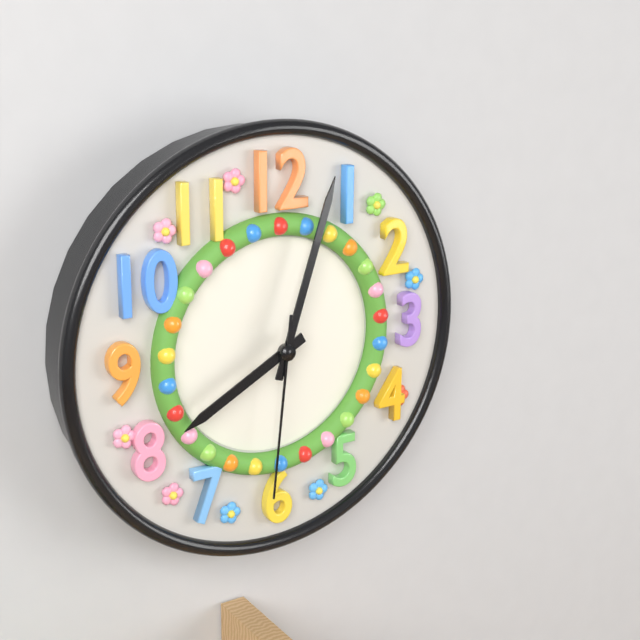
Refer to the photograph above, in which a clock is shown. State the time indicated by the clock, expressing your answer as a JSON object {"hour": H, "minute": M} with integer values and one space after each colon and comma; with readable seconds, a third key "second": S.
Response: {"hour": 8, "minute": 3, "second": 31}
